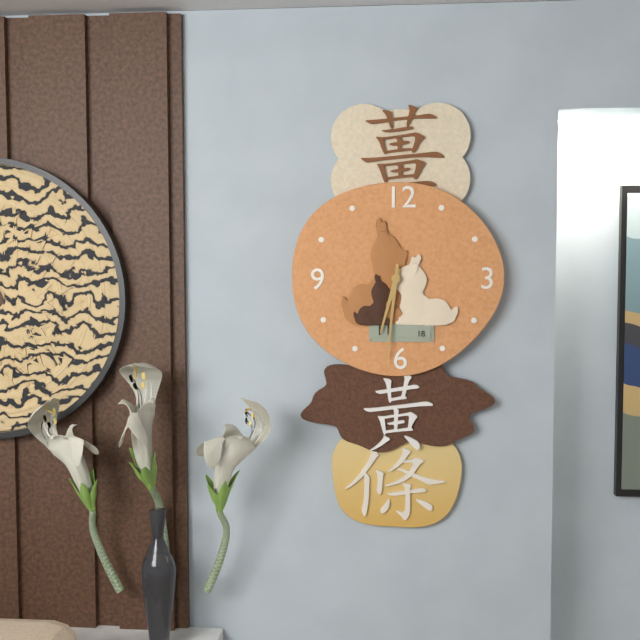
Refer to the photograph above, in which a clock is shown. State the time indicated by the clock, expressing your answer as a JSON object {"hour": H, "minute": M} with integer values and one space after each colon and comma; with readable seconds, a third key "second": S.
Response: {"hour": 6, "minute": 31}
